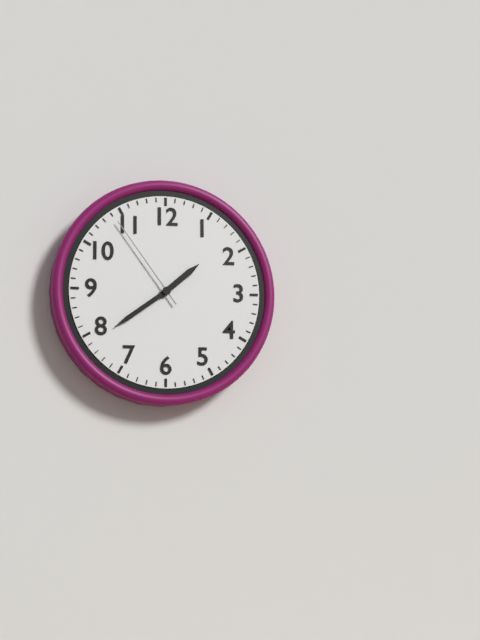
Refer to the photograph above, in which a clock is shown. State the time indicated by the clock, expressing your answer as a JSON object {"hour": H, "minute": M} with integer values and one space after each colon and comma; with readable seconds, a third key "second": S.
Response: {"hour": 1, "minute": 39, "second": 54}
